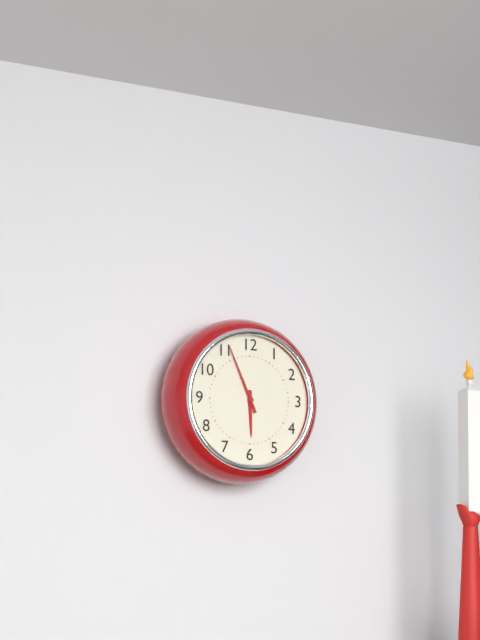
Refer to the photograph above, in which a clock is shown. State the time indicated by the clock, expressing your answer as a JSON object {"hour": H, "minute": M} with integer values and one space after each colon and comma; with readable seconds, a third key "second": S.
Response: {"hour": 5, "minute": 56}
